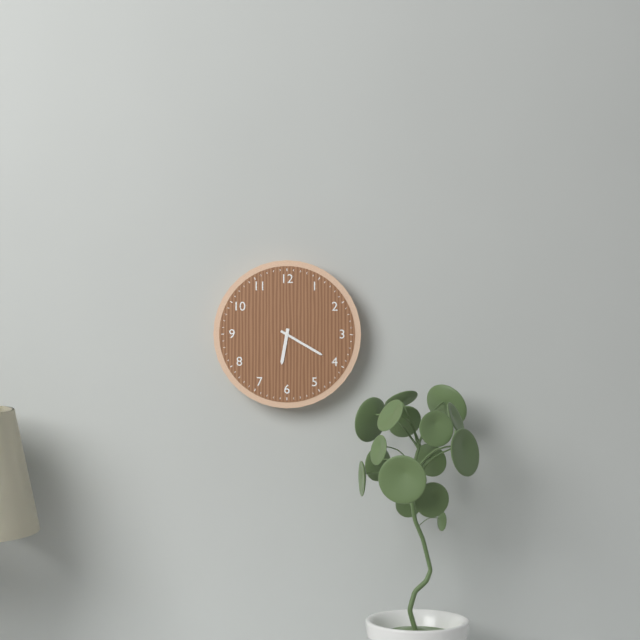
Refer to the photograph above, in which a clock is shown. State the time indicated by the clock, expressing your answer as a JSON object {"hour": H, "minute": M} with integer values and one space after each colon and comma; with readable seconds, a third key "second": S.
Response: {"hour": 6, "minute": 20}
